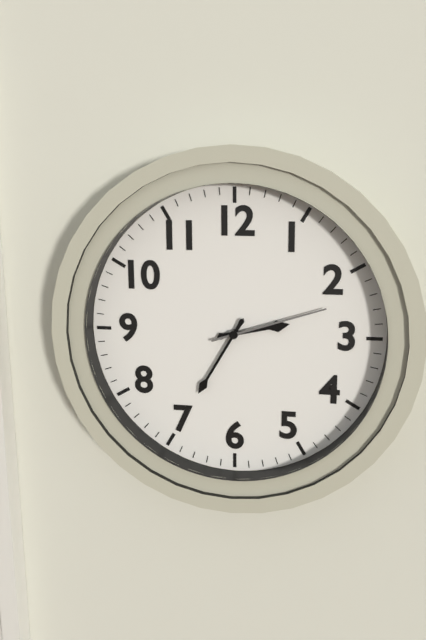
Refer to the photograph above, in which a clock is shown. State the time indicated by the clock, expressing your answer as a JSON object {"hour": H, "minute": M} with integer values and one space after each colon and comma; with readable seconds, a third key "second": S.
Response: {"hour": 2, "minute": 35, "second": 12}
